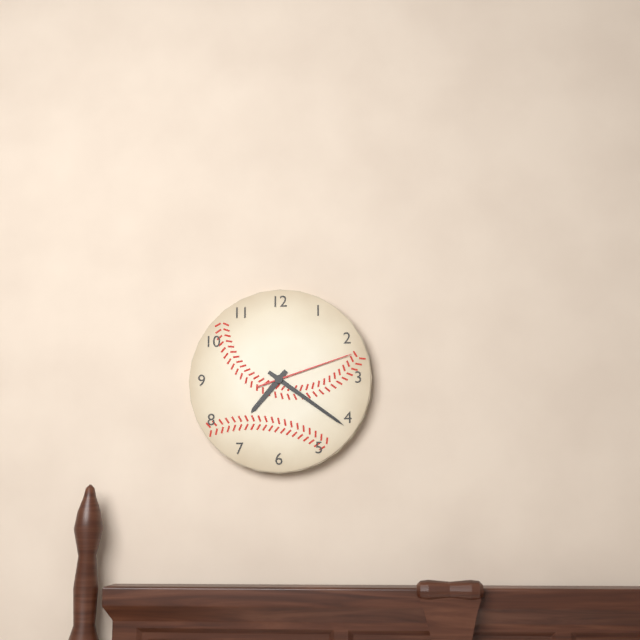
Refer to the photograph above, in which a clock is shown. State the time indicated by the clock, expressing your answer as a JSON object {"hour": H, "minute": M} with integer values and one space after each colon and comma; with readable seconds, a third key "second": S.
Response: {"hour": 7, "minute": 21, "second": 12}
